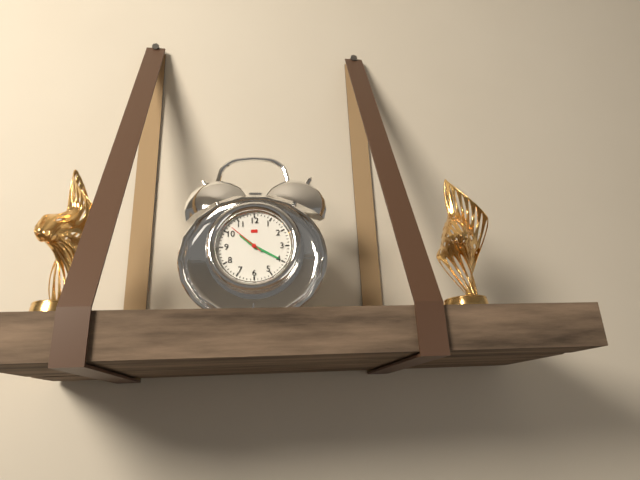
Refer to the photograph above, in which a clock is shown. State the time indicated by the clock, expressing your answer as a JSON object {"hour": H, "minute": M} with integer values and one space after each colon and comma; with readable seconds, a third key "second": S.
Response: {"hour": 10, "minute": 20}
